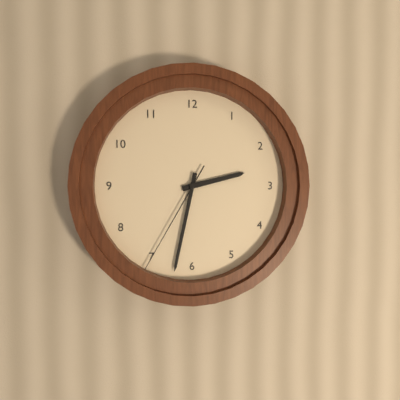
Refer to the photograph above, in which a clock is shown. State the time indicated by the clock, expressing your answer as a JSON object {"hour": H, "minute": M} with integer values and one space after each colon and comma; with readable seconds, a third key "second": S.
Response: {"hour": 2, "minute": 32, "second": 35}
